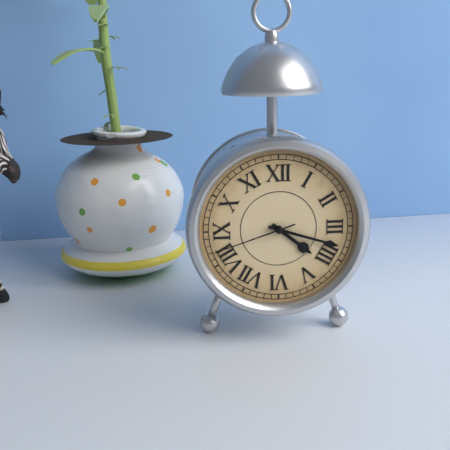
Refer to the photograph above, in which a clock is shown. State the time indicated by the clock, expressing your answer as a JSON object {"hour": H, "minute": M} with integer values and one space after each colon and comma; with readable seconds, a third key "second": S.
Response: {"hour": 4, "minute": 18, "second": 42}
